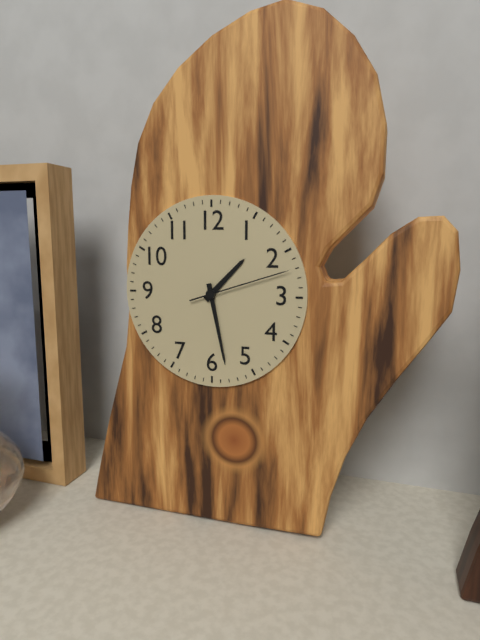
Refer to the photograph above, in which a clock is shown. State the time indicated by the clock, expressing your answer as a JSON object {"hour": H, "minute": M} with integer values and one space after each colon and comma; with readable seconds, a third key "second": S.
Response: {"hour": 1, "minute": 28, "second": 12}
